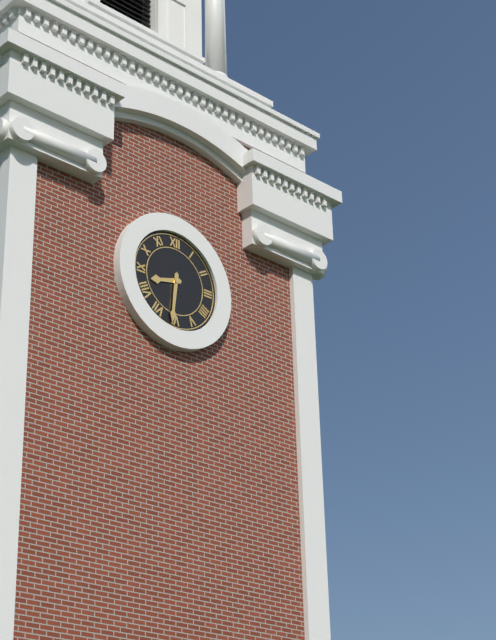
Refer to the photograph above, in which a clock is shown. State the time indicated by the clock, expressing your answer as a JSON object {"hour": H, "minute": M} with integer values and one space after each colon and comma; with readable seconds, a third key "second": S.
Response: {"hour": 8, "minute": 31}
